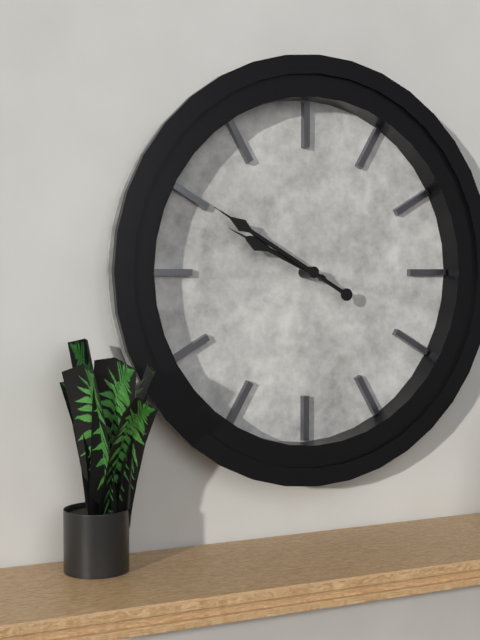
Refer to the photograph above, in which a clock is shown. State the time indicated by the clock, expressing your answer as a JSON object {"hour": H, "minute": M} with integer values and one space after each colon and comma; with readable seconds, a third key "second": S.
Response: {"hour": 9, "minute": 50}
